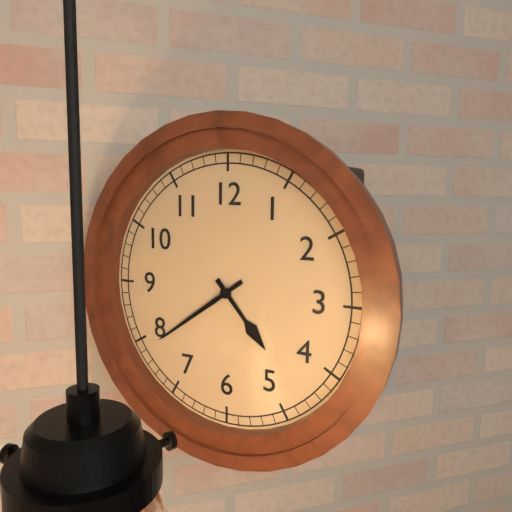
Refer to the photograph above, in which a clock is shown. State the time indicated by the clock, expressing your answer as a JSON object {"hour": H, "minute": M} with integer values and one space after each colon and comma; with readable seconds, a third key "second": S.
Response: {"hour": 4, "minute": 39}
